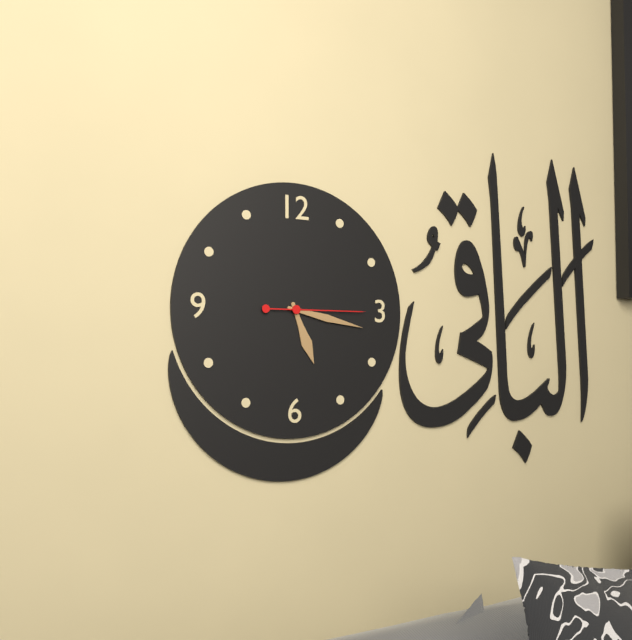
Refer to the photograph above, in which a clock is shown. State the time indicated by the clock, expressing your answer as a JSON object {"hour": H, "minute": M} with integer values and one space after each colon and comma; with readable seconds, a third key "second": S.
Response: {"hour": 5, "minute": 17, "second": 15}
